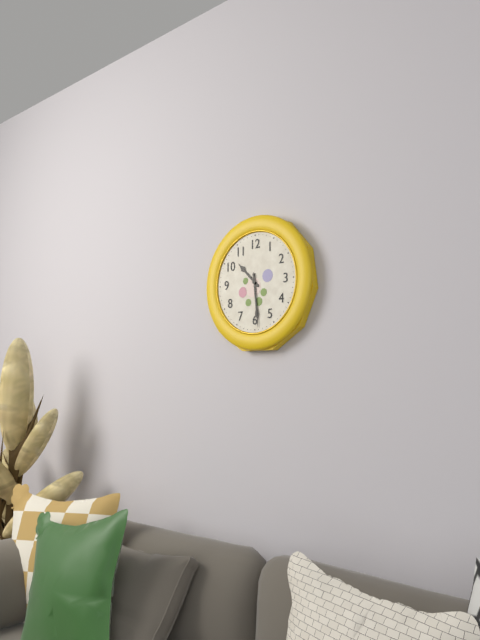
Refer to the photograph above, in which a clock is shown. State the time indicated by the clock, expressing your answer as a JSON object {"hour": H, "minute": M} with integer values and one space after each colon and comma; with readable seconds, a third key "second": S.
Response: {"hour": 10, "minute": 29}
